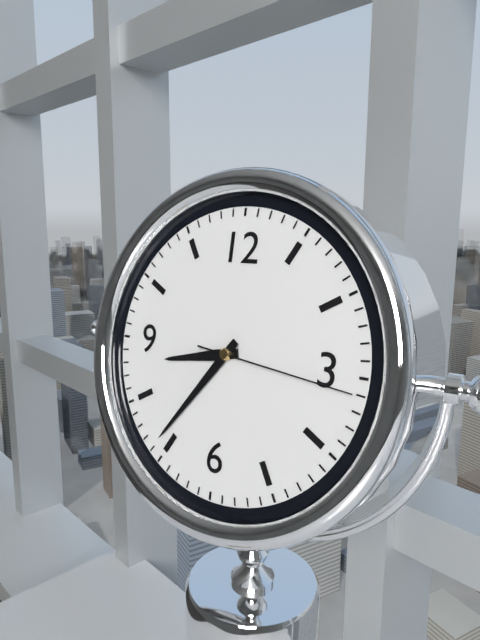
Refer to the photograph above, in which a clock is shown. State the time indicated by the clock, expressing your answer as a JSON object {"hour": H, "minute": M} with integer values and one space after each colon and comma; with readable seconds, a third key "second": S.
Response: {"hour": 8, "minute": 36, "second": 16}
